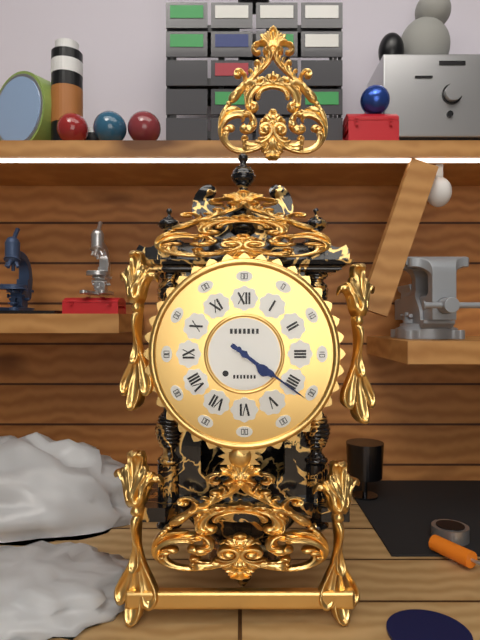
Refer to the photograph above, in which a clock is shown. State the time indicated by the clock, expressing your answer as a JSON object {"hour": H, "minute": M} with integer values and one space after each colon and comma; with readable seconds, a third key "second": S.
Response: {"hour": 4, "minute": 21}
